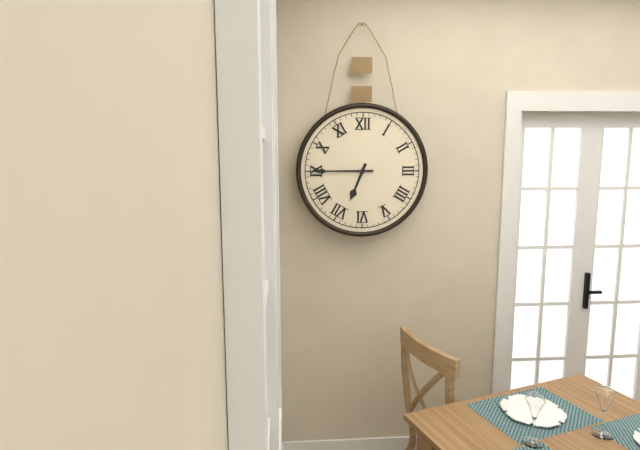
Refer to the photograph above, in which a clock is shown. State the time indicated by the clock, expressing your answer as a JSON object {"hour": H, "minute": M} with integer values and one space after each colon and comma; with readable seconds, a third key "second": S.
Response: {"hour": 6, "minute": 45}
